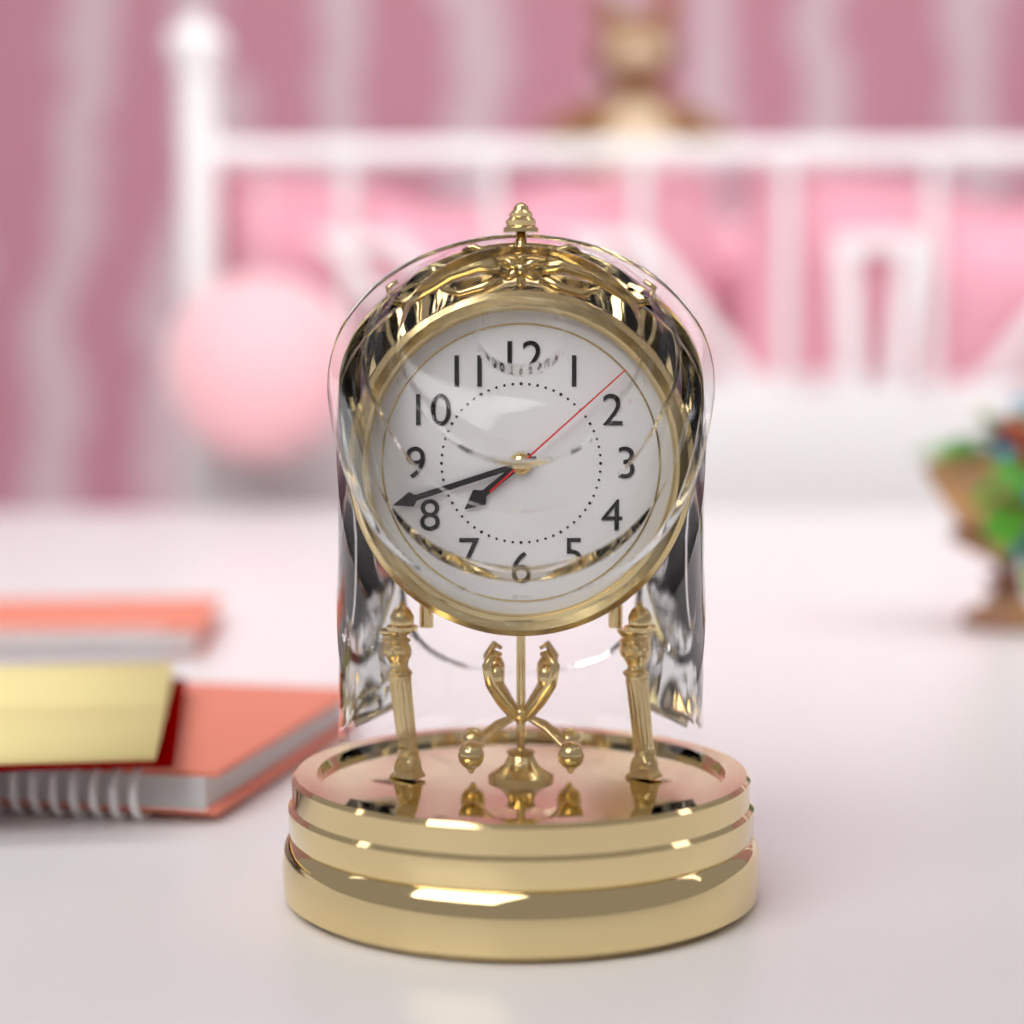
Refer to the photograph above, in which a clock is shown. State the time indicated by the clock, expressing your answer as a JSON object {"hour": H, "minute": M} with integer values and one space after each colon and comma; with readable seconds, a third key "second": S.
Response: {"hour": 7, "minute": 42, "second": 8}
